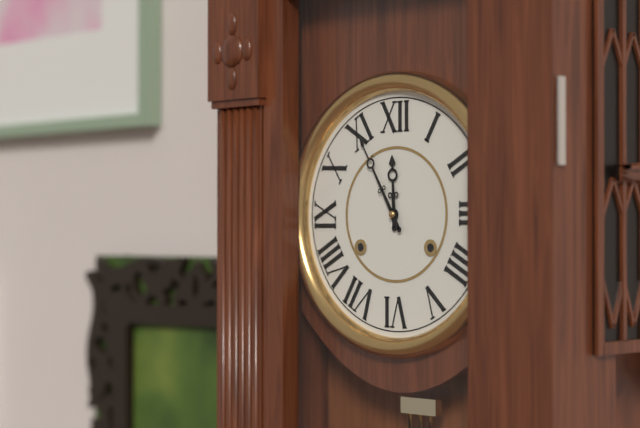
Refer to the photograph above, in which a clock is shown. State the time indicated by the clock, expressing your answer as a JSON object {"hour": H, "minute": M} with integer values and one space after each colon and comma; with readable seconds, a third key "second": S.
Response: {"hour": 11, "minute": 55}
